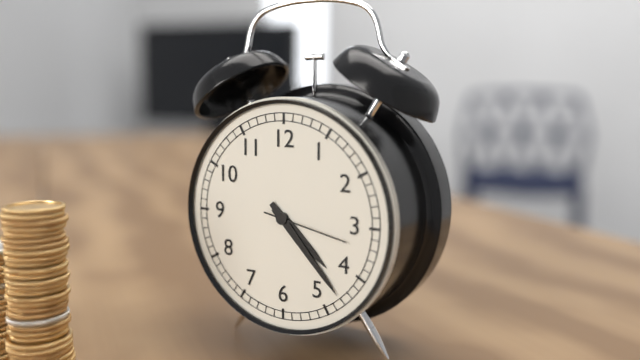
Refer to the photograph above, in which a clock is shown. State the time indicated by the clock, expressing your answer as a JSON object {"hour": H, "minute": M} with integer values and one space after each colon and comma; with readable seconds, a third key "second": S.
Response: {"hour": 4, "minute": 23, "second": 17}
